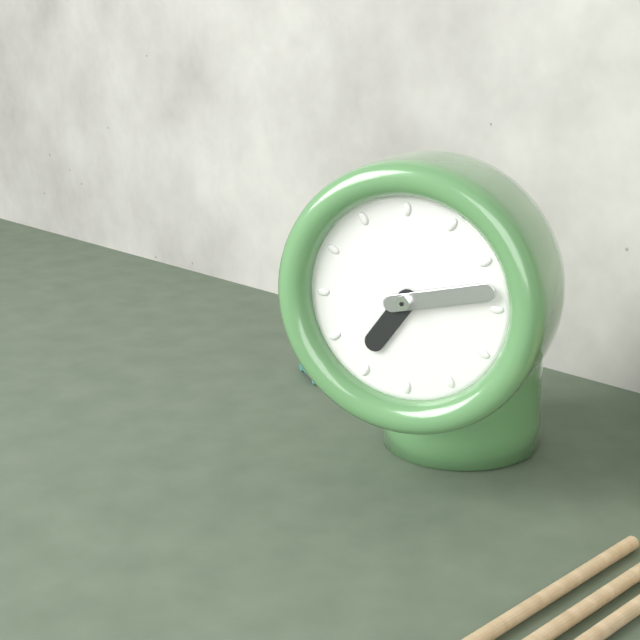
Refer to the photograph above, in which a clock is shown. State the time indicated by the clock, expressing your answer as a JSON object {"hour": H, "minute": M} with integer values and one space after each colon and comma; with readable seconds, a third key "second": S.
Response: {"hour": 7, "minute": 13}
